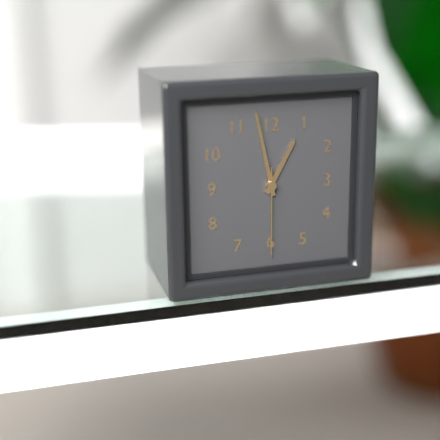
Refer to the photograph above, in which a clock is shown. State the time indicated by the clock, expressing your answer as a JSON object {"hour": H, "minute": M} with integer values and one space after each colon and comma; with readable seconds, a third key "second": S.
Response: {"hour": 12, "minute": 58, "second": 30}
